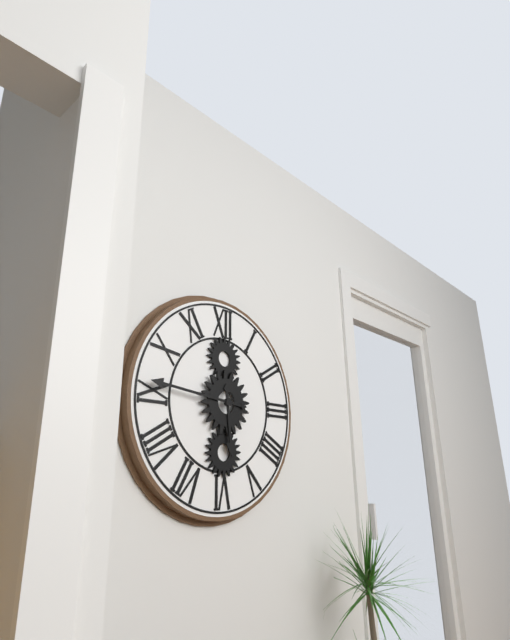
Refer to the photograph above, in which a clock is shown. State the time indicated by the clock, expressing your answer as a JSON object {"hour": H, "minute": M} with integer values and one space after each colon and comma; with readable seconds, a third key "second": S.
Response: {"hour": 5, "minute": 46}
